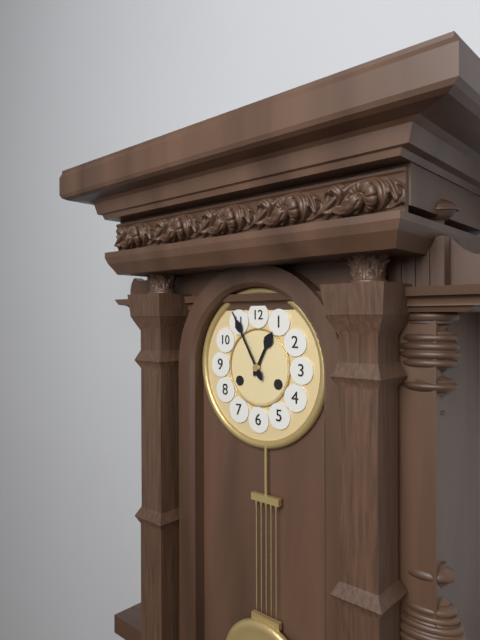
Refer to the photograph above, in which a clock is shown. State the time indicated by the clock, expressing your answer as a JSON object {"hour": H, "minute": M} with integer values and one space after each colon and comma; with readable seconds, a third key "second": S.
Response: {"hour": 12, "minute": 55}
